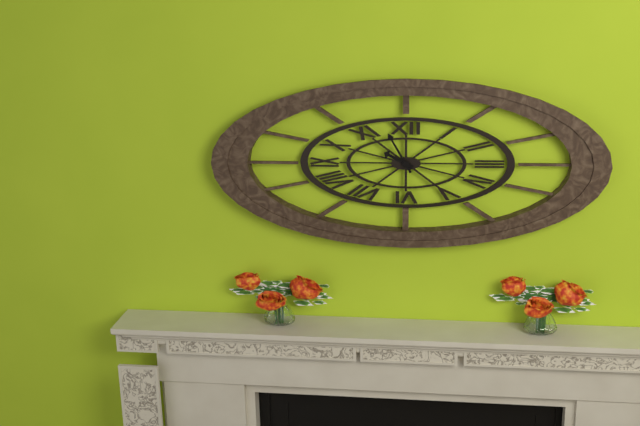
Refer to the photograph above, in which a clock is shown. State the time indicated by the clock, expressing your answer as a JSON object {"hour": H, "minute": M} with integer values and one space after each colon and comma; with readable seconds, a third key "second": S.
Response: {"hour": 9, "minute": 55}
